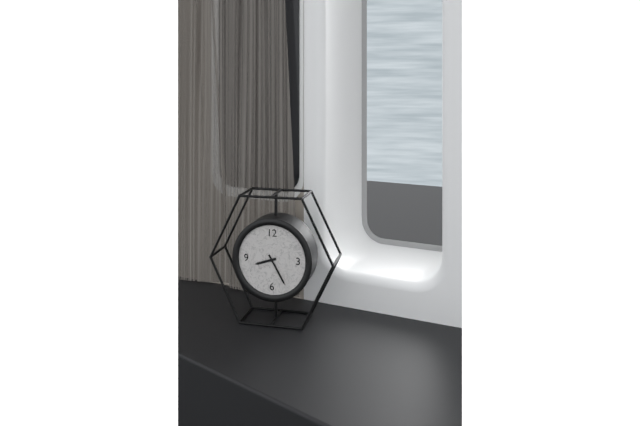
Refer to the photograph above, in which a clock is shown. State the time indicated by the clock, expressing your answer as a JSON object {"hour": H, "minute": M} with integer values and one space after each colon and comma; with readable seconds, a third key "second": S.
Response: {"hour": 8, "minute": 25}
